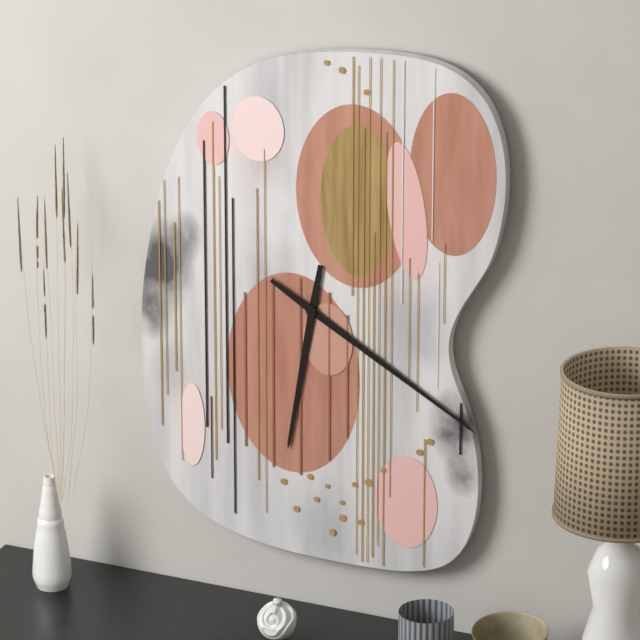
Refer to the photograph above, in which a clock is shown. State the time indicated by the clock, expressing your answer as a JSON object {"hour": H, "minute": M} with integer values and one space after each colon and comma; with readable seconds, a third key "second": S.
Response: {"hour": 6, "minute": 20}
